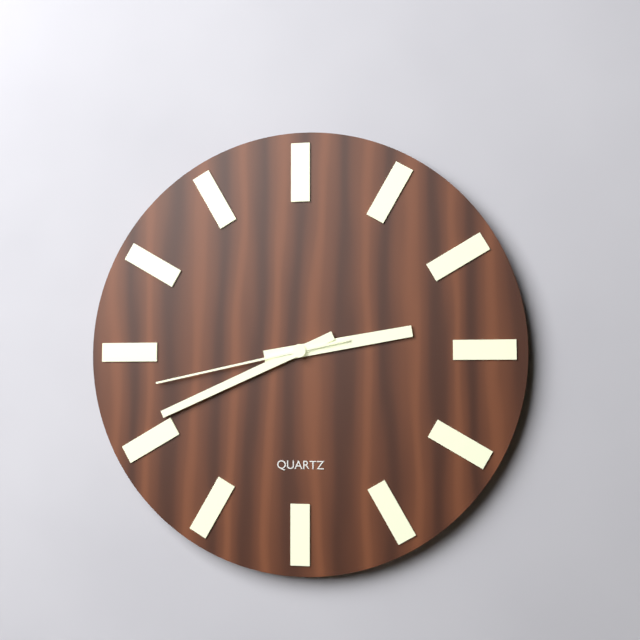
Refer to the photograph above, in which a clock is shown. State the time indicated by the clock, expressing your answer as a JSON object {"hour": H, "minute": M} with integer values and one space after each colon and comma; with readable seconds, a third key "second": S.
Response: {"hour": 2, "minute": 41, "second": 43}
